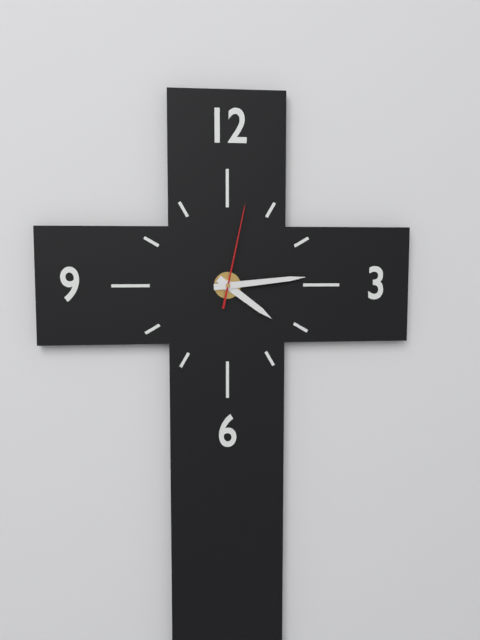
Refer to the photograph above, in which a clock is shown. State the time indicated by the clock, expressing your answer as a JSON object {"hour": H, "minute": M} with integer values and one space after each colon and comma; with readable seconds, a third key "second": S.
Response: {"hour": 4, "minute": 14, "second": 2}
